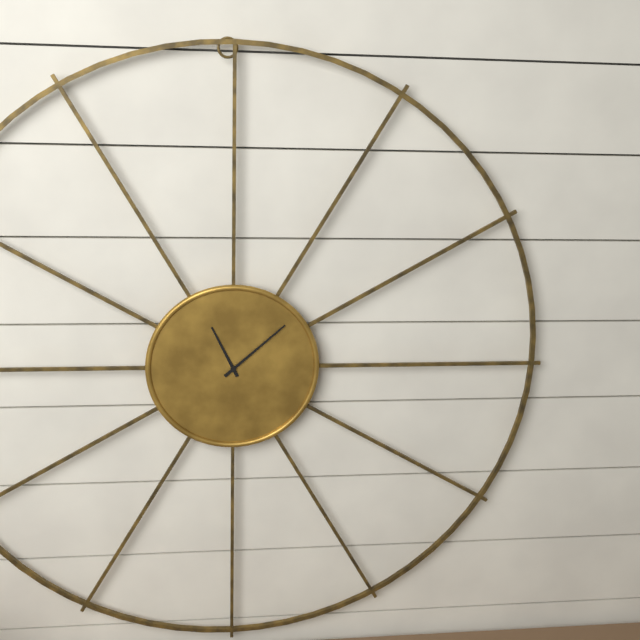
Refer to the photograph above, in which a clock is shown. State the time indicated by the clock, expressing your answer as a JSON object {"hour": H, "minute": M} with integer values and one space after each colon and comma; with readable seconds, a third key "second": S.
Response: {"hour": 11, "minute": 8}
